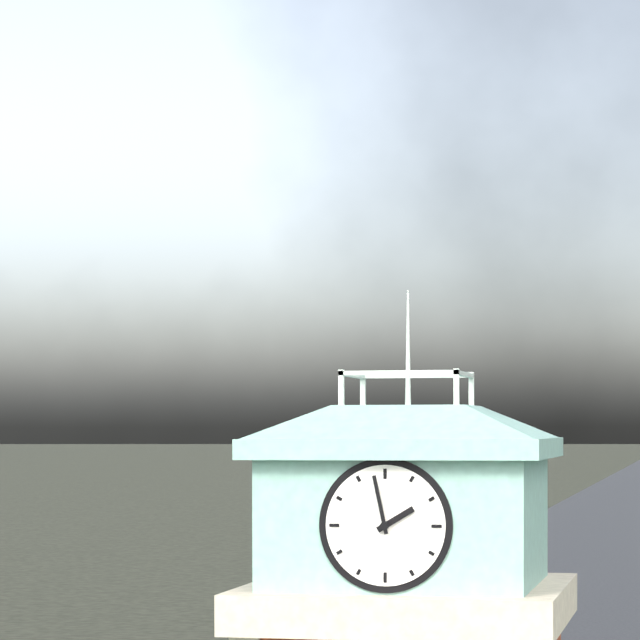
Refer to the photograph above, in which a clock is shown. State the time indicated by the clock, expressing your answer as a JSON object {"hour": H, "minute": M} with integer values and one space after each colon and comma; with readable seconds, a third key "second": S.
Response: {"hour": 1, "minute": 58}
